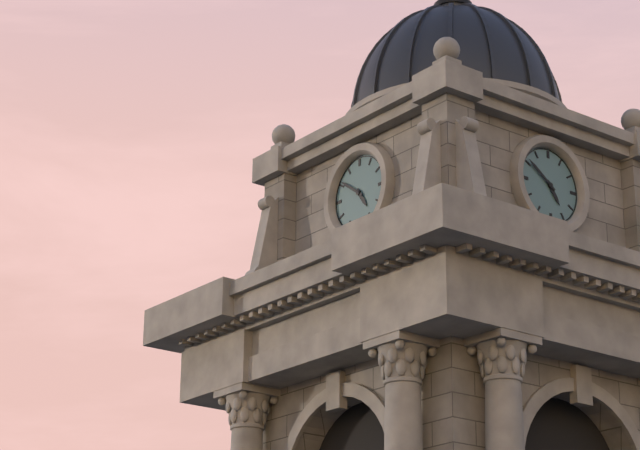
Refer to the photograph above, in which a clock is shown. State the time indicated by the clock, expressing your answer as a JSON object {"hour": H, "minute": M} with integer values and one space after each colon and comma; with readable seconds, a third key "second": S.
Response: {"hour": 4, "minute": 51}
